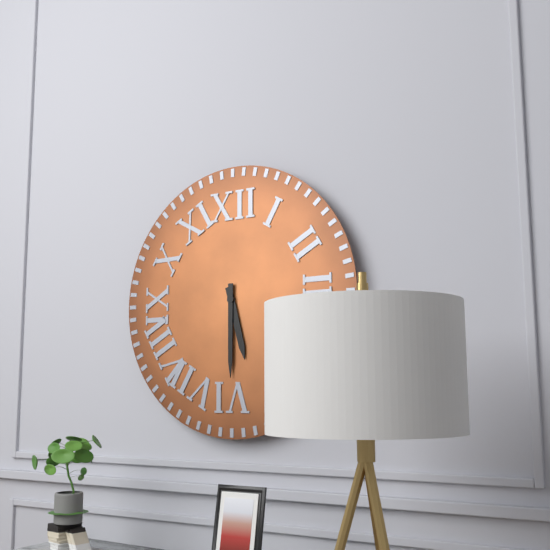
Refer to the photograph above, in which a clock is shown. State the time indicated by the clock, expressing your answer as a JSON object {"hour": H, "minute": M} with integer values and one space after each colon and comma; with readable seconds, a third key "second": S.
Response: {"hour": 5, "minute": 30}
